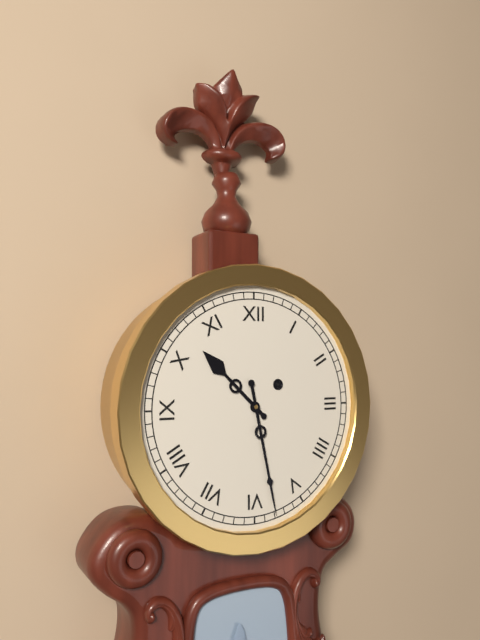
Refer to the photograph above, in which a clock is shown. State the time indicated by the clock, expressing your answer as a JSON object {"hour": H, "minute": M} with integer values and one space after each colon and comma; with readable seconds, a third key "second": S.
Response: {"hour": 10, "minute": 28}
